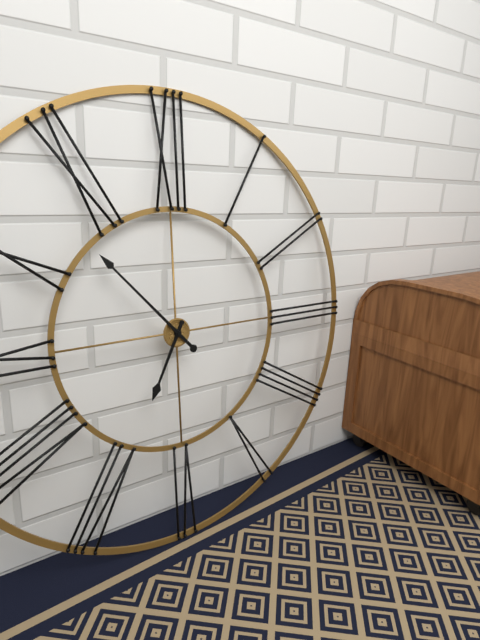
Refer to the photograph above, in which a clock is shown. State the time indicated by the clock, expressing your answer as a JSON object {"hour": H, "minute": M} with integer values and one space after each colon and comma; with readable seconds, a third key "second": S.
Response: {"hour": 6, "minute": 53}
